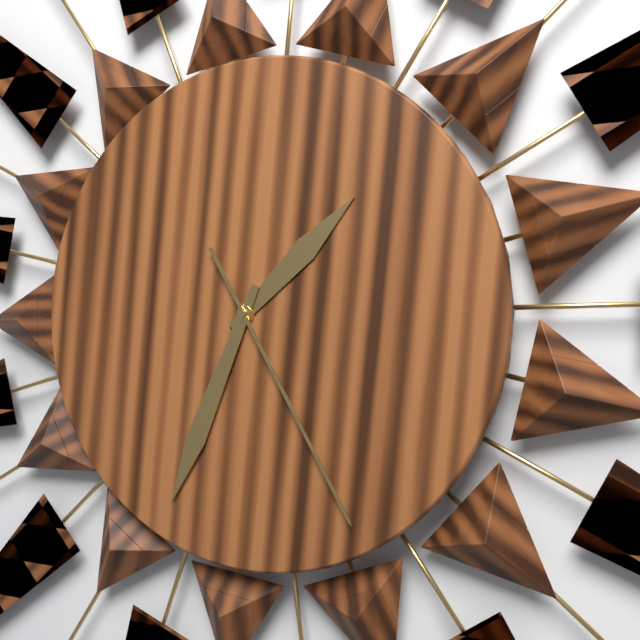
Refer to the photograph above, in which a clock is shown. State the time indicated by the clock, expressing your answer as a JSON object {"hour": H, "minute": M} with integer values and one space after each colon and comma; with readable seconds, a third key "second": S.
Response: {"hour": 1, "minute": 34, "second": 25}
